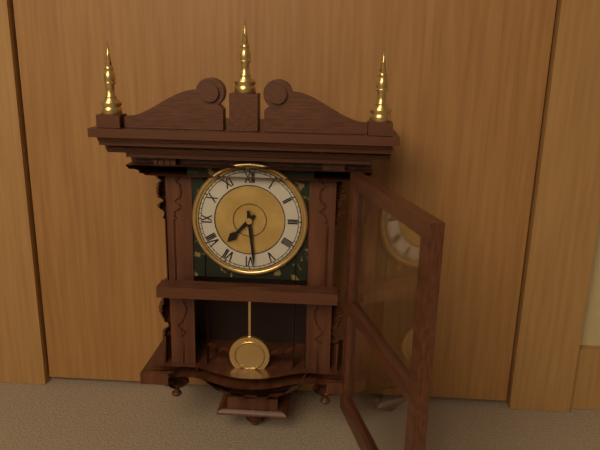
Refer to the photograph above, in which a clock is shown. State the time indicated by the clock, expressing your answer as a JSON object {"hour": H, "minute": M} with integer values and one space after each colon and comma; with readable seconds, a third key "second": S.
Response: {"hour": 7, "minute": 29}
